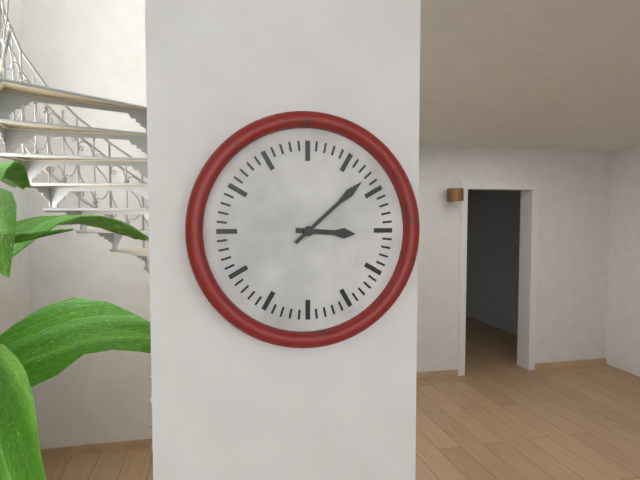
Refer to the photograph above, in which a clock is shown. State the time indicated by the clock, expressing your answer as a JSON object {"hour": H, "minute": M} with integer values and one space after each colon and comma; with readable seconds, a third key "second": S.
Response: {"hour": 3, "minute": 8}
